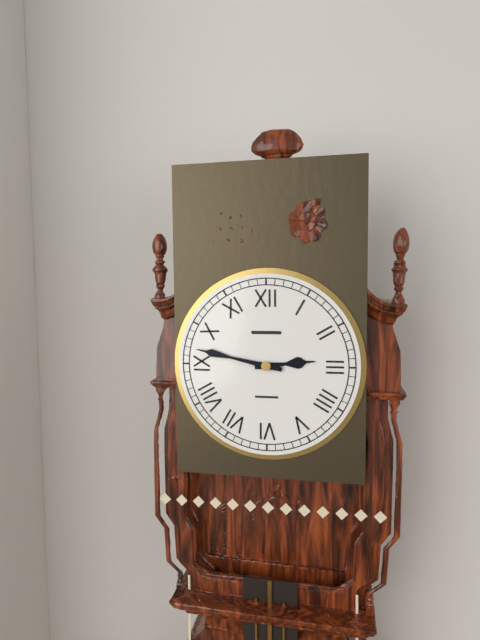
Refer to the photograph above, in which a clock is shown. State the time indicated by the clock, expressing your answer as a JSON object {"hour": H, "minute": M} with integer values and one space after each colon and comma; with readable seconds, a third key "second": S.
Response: {"hour": 2, "minute": 47}
